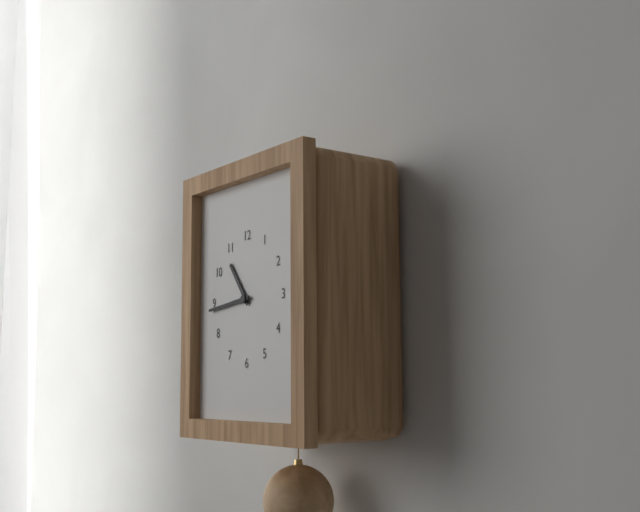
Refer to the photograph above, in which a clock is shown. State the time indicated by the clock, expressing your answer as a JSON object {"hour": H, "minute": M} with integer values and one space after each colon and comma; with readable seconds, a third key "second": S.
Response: {"hour": 10, "minute": 44}
